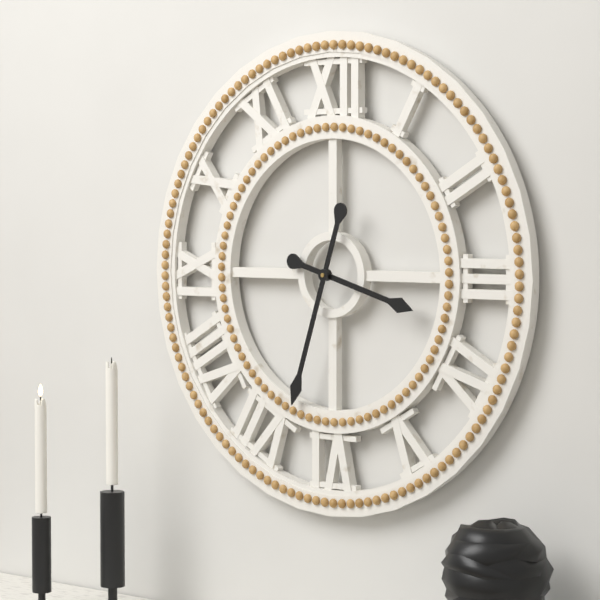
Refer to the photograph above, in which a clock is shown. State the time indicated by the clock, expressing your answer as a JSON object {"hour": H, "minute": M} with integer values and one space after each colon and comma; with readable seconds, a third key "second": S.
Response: {"hour": 3, "minute": 33}
